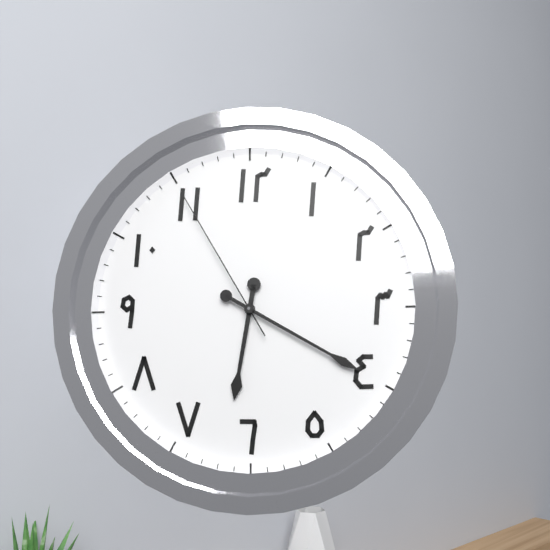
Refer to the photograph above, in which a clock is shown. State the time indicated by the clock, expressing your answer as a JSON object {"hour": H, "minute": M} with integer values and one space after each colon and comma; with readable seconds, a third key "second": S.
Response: {"hour": 6, "minute": 20, "second": 55}
